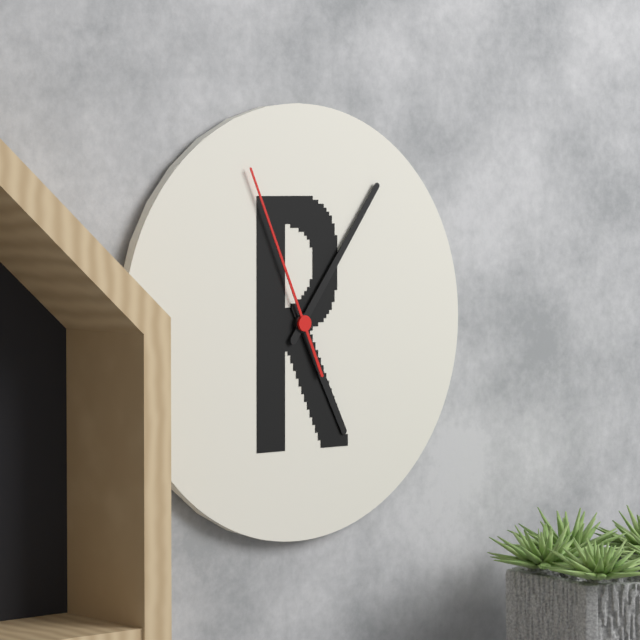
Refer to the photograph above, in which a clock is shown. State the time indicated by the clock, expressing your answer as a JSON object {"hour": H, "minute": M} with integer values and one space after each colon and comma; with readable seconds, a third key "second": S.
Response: {"hour": 5, "minute": 6, "second": 56}
